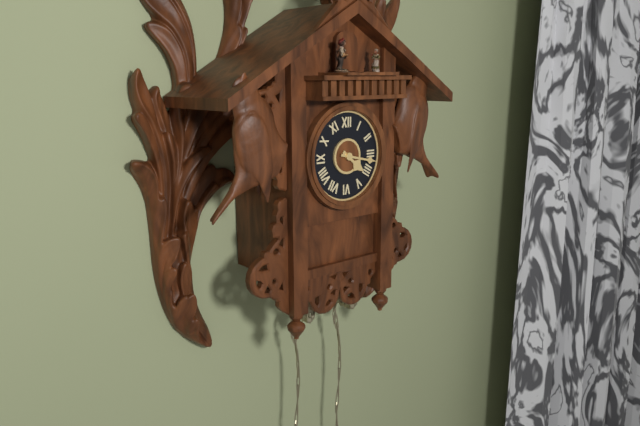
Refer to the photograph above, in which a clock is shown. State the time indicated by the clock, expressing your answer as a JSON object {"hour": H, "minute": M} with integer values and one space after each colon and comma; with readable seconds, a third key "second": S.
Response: {"hour": 4, "minute": 17}
